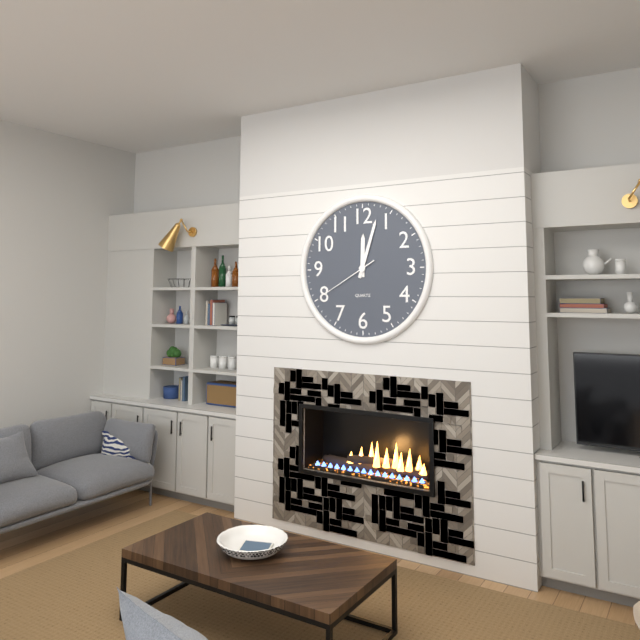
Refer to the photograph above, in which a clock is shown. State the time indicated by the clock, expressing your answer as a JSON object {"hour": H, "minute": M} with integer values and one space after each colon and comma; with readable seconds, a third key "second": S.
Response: {"hour": 12, "minute": 3, "second": 40}
